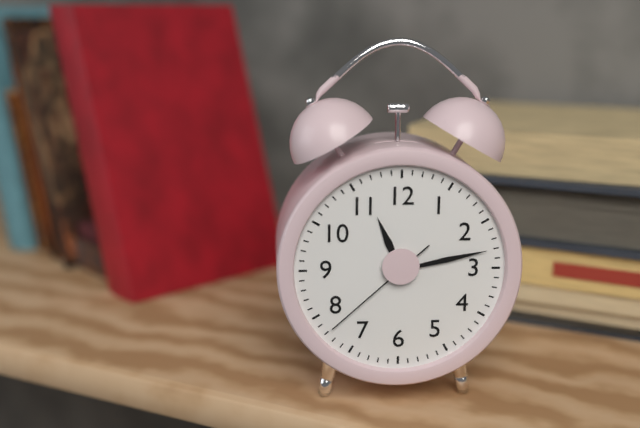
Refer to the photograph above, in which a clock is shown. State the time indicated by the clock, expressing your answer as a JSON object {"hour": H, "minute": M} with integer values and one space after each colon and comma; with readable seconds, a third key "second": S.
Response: {"hour": 11, "minute": 13, "second": 38}
